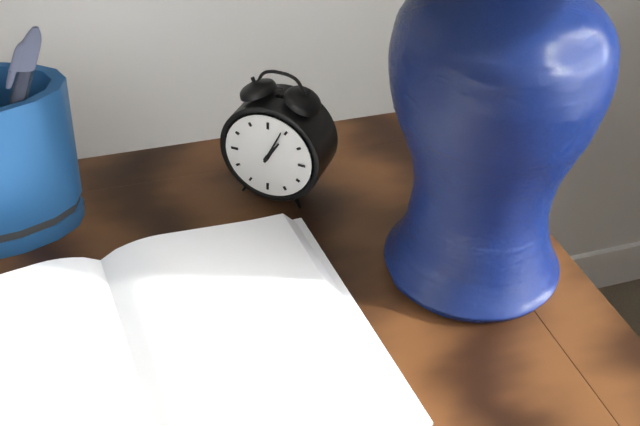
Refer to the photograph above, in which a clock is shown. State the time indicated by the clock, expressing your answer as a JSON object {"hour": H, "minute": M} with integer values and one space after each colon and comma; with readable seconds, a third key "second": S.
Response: {"hour": 1, "minute": 4}
